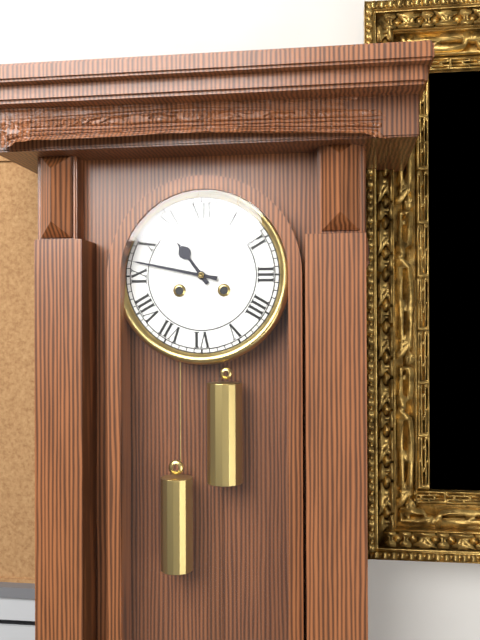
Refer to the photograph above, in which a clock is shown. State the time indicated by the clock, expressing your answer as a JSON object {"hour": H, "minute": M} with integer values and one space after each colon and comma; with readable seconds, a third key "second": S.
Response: {"hour": 10, "minute": 47}
